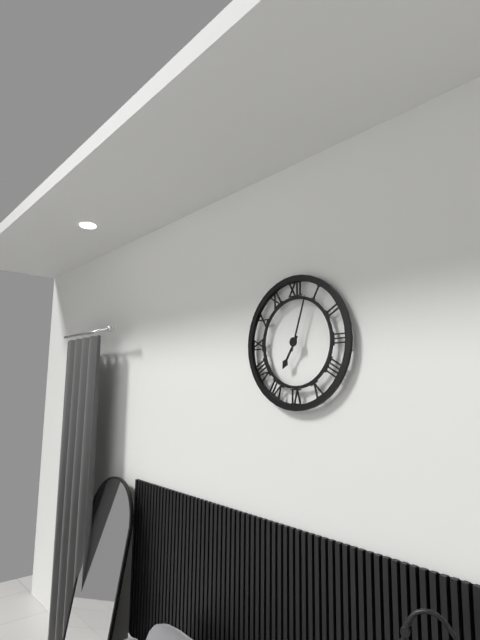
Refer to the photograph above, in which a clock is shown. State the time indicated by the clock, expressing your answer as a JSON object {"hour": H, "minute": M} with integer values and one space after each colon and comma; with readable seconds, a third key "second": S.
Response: {"hour": 7, "minute": 3}
